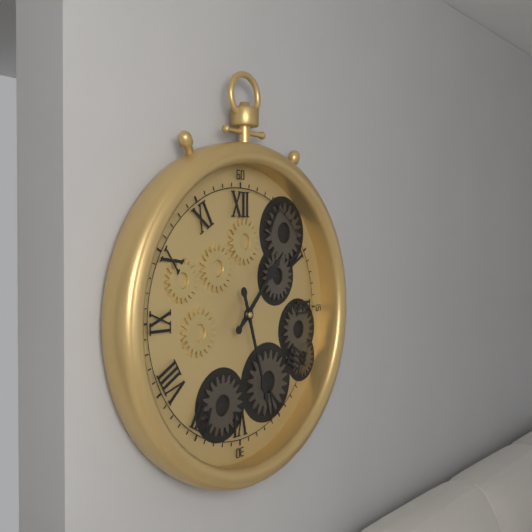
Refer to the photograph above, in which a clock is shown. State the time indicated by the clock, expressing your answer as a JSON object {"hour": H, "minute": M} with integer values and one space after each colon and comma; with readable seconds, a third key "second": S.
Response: {"hour": 1, "minute": 27}
